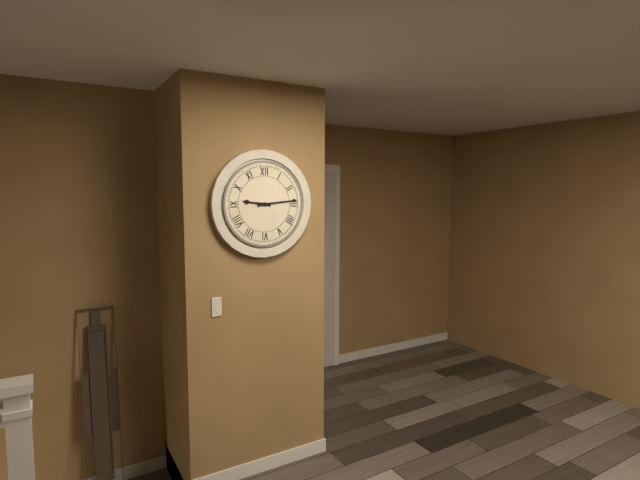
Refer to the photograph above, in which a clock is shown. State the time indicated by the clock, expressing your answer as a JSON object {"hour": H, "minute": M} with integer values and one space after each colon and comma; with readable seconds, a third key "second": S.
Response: {"hour": 9, "minute": 14}
